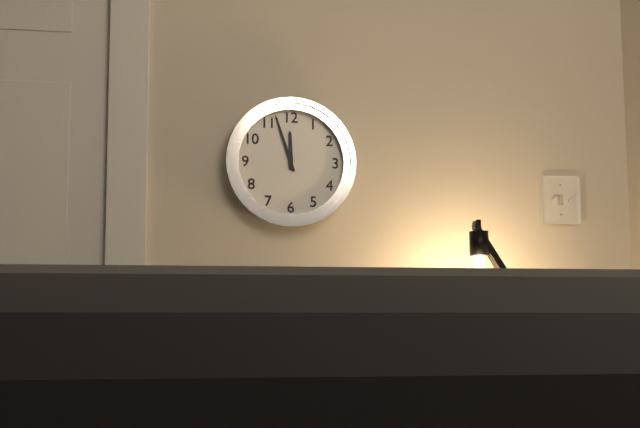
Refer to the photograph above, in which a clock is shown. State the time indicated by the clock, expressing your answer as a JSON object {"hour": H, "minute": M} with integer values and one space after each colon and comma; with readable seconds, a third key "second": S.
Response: {"hour": 11, "minute": 57}
